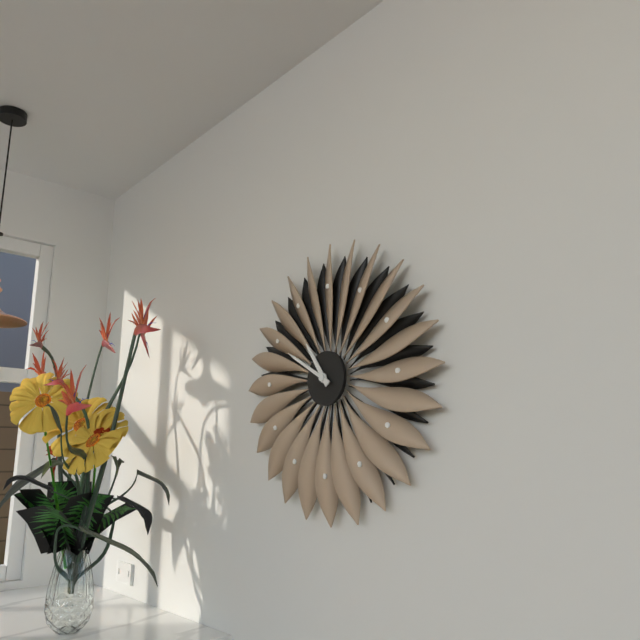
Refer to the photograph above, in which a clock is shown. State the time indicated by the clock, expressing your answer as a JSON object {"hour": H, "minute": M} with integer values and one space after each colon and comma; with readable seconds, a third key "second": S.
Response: {"hour": 10, "minute": 50}
